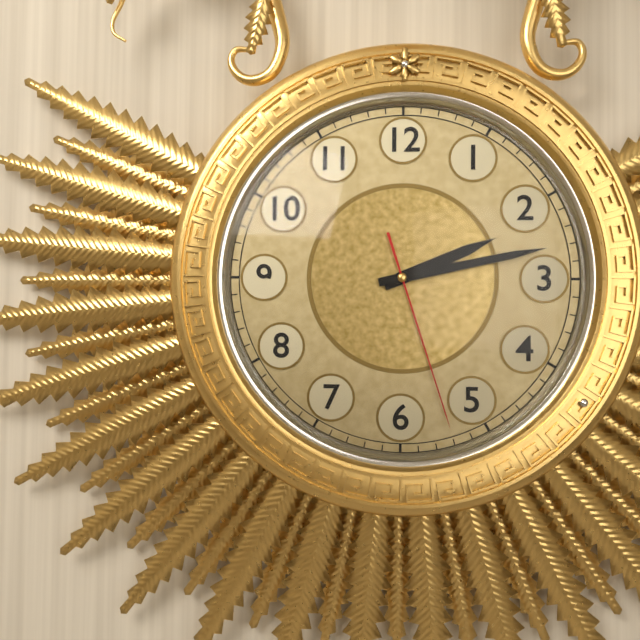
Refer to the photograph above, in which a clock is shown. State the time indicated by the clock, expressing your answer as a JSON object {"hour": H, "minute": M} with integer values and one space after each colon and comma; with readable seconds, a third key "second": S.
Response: {"hour": 2, "minute": 13, "second": 27}
